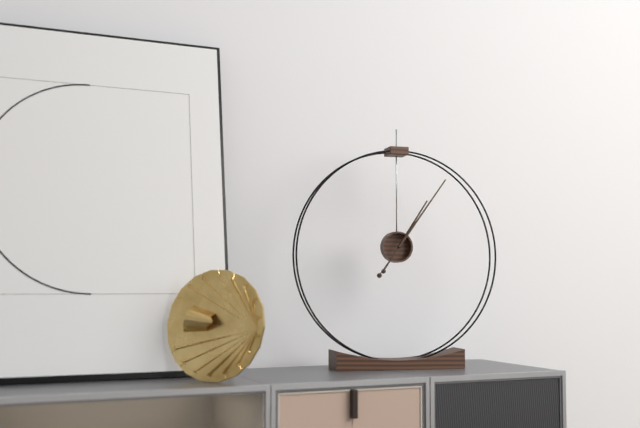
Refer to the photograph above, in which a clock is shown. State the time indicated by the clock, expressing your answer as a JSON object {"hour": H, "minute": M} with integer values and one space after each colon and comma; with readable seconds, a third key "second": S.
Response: {"hour": 1, "minute": 6}
